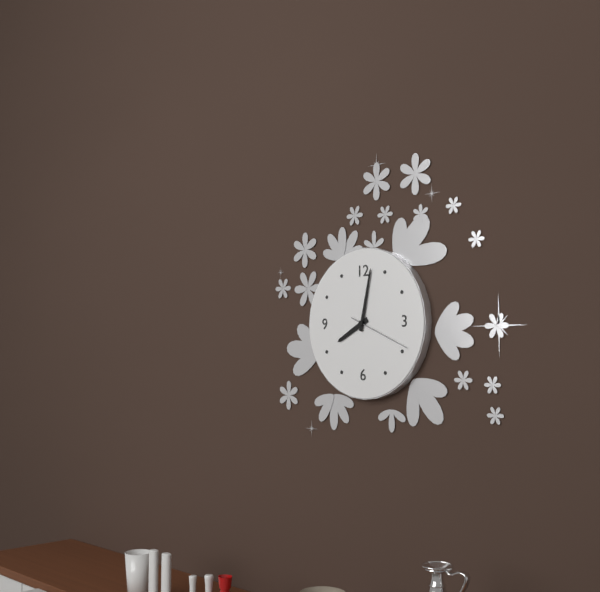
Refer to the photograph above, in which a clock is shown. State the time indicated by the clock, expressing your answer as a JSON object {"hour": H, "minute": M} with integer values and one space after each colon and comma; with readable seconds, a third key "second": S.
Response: {"hour": 8, "minute": 2, "second": 19}
